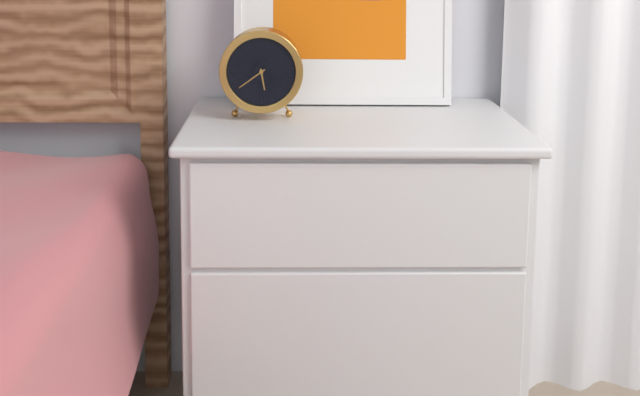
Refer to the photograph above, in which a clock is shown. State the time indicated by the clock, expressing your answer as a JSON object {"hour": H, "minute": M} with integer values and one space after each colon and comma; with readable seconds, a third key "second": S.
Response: {"hour": 5, "minute": 39}
